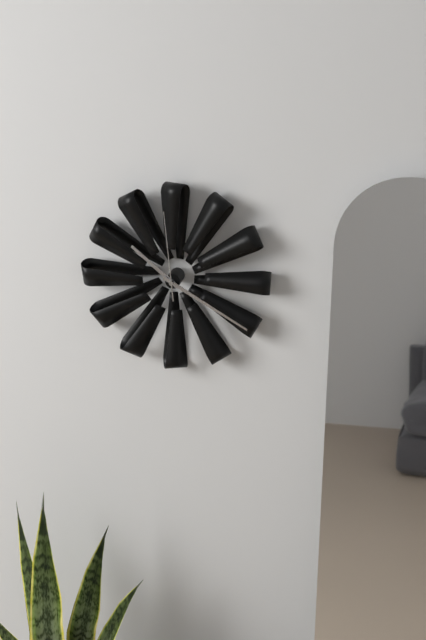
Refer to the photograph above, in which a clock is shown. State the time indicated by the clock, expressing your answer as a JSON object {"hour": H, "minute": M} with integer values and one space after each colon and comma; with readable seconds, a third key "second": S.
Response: {"hour": 10, "minute": 20, "second": 59}
